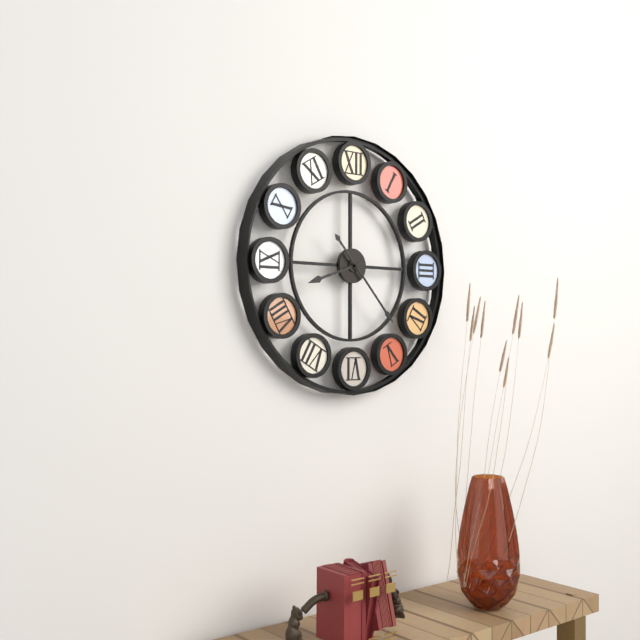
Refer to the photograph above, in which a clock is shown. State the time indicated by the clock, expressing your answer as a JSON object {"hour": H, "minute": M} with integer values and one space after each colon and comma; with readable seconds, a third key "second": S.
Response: {"hour": 8, "minute": 23}
